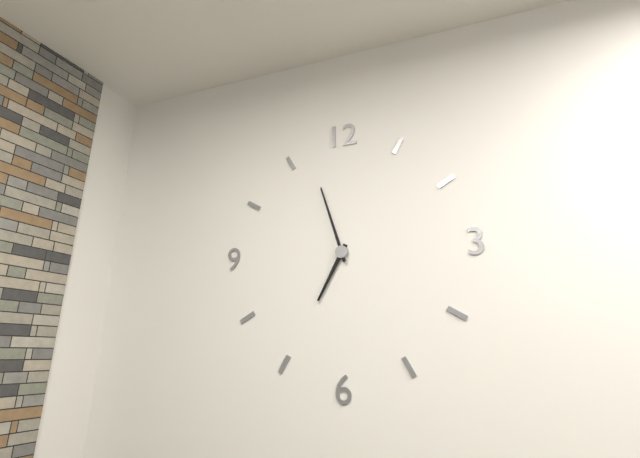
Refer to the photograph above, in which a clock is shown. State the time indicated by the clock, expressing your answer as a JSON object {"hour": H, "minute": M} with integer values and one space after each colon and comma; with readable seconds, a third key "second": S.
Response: {"hour": 6, "minute": 57}
